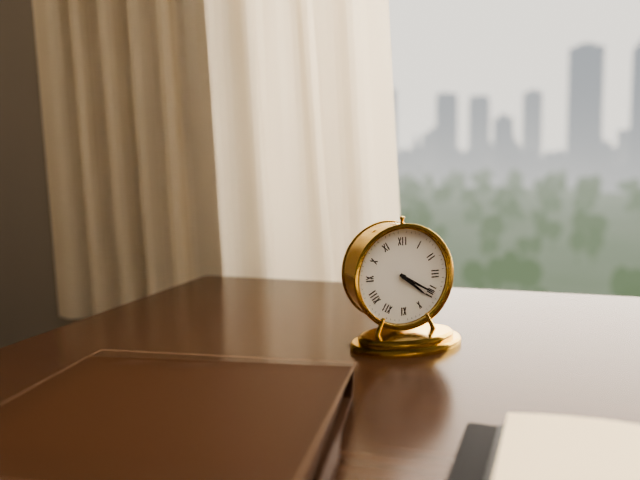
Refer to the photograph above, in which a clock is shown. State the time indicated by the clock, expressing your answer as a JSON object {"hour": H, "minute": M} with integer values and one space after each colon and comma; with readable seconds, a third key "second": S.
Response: {"hour": 4, "minute": 20}
